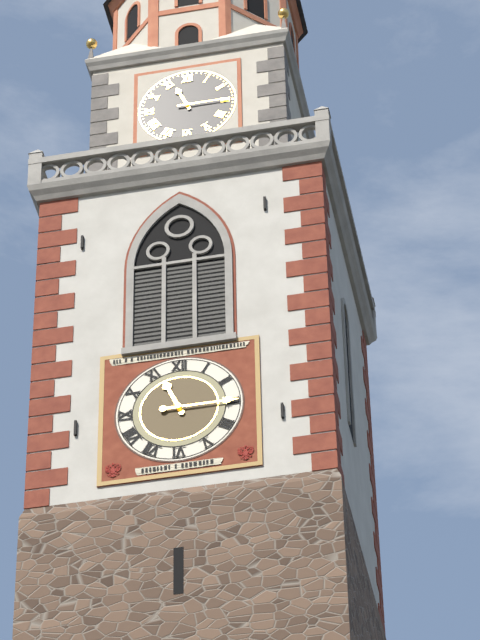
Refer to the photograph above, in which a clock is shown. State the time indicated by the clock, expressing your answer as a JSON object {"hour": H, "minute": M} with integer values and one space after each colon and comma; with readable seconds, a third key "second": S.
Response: {"hour": 11, "minute": 15}
